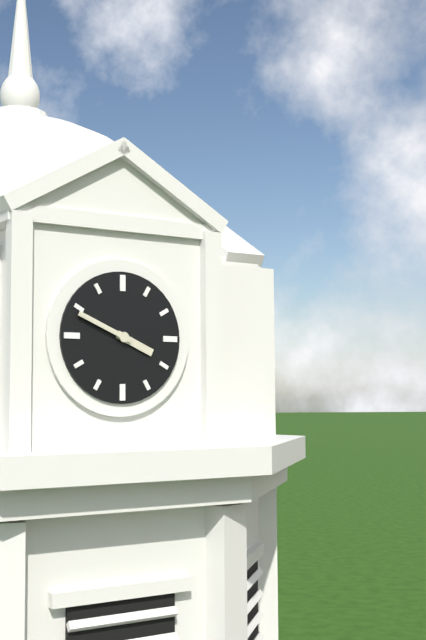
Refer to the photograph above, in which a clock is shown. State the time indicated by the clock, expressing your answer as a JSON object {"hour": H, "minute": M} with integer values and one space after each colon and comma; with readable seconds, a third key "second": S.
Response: {"hour": 3, "minute": 49}
